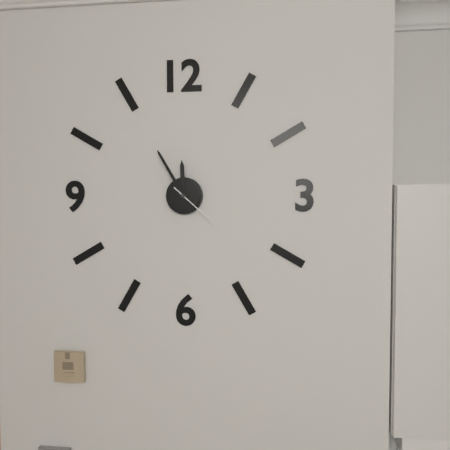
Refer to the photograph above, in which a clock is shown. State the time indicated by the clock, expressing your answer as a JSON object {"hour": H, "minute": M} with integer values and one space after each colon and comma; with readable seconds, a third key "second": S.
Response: {"hour": 11, "minute": 55, "second": 22}
